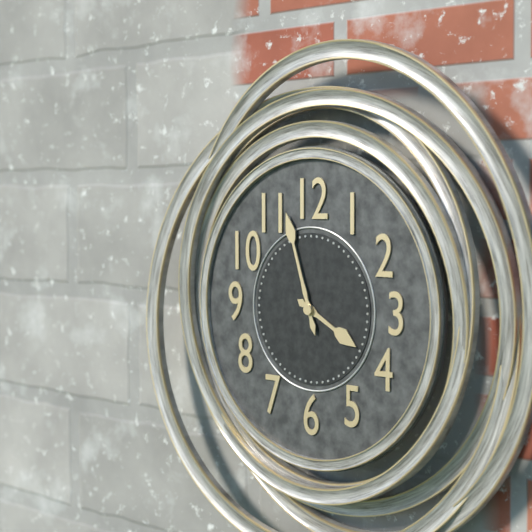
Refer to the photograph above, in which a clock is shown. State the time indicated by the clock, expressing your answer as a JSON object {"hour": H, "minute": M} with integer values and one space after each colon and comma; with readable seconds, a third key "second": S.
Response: {"hour": 3, "minute": 57}
